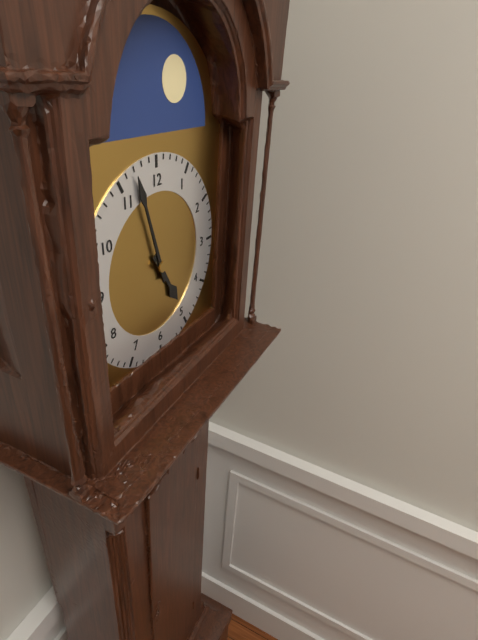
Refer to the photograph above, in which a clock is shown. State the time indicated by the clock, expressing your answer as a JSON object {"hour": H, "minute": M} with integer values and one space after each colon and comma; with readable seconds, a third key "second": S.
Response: {"hour": 4, "minute": 57}
